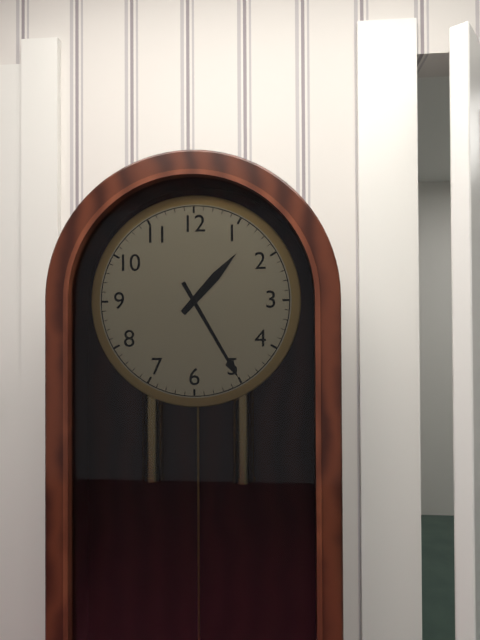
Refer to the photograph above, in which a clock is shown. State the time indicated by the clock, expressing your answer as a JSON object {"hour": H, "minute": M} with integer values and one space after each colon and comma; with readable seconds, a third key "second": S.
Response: {"hour": 1, "minute": 25}
